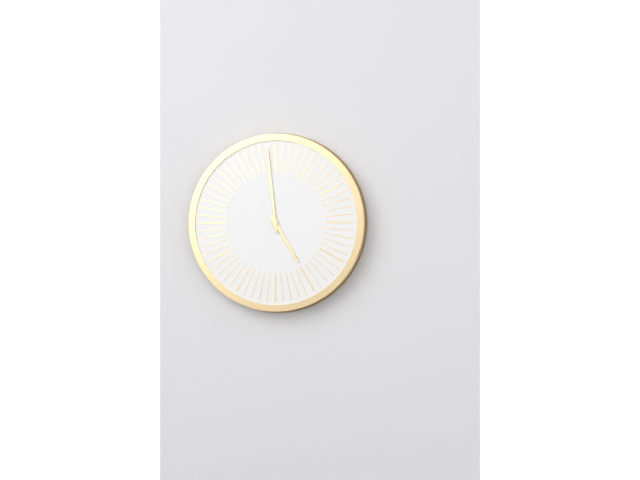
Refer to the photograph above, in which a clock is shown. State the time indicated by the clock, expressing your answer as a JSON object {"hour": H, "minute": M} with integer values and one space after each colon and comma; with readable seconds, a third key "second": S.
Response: {"hour": 4, "minute": 59}
